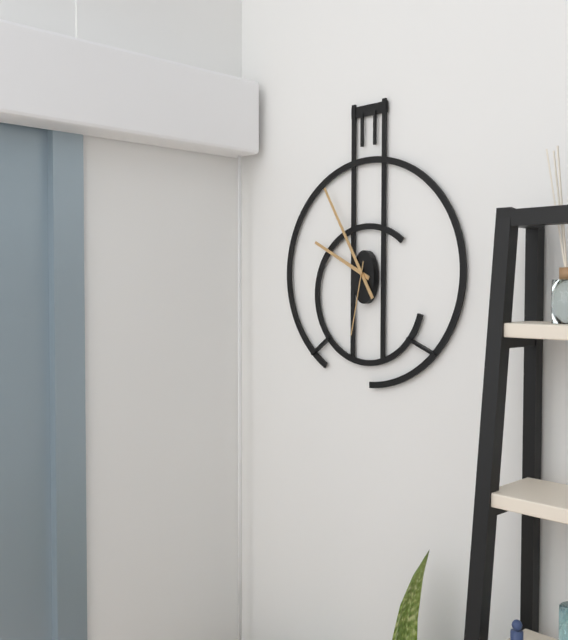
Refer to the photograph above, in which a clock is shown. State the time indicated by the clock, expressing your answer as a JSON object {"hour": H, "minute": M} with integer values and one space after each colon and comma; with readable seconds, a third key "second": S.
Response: {"hour": 9, "minute": 55, "second": 32}
